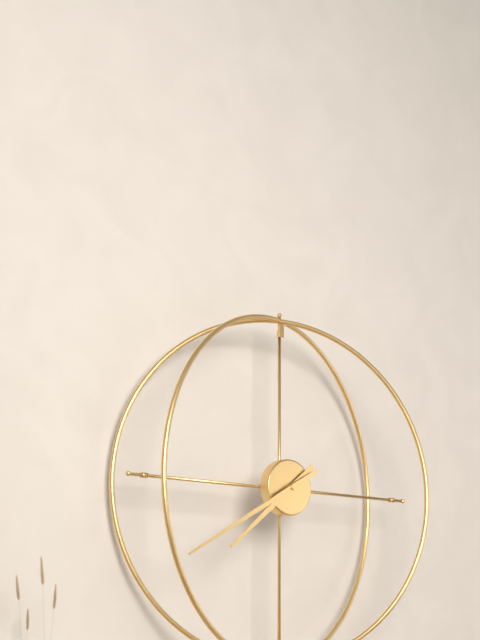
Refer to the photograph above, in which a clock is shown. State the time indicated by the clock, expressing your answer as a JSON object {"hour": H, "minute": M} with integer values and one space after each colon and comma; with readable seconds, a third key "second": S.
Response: {"hour": 7, "minute": 40}
